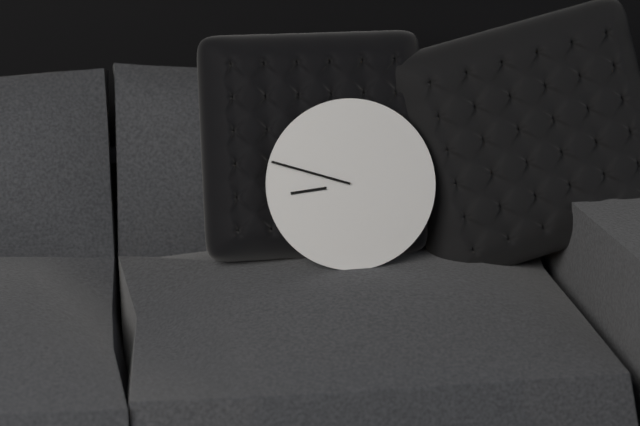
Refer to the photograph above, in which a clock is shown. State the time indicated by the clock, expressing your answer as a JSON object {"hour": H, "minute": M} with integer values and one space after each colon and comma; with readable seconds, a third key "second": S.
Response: {"hour": 8, "minute": 48}
